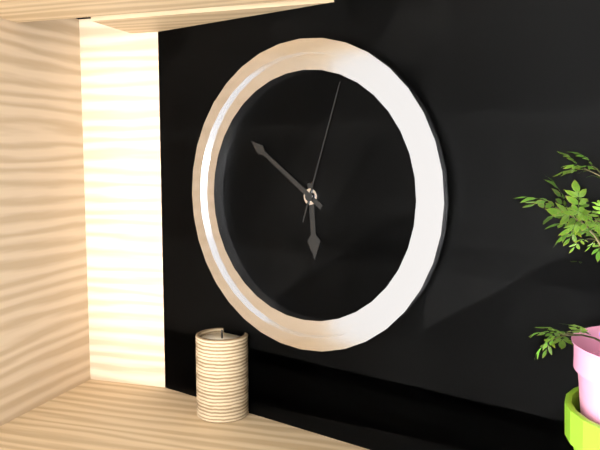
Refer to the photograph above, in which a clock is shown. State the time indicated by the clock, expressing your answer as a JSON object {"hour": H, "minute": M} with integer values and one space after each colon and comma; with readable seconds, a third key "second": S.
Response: {"hour": 5, "minute": 51, "second": 3}
